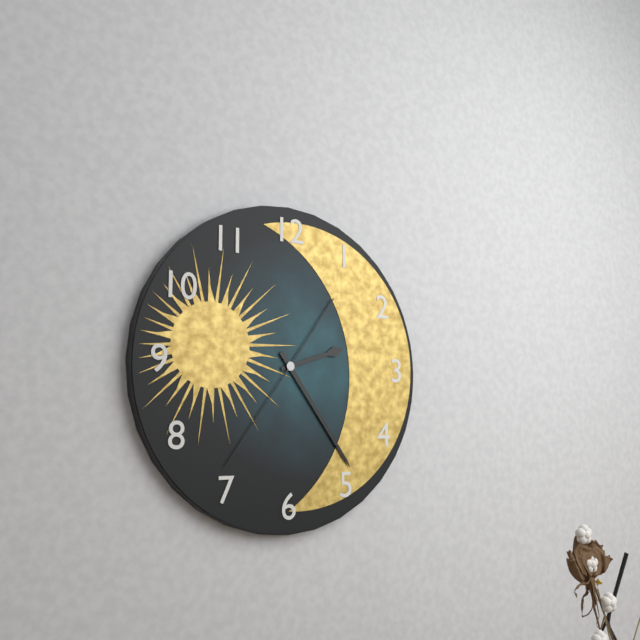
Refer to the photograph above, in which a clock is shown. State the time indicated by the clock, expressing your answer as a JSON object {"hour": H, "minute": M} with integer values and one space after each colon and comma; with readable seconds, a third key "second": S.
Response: {"hour": 2, "minute": 24, "second": 36}
